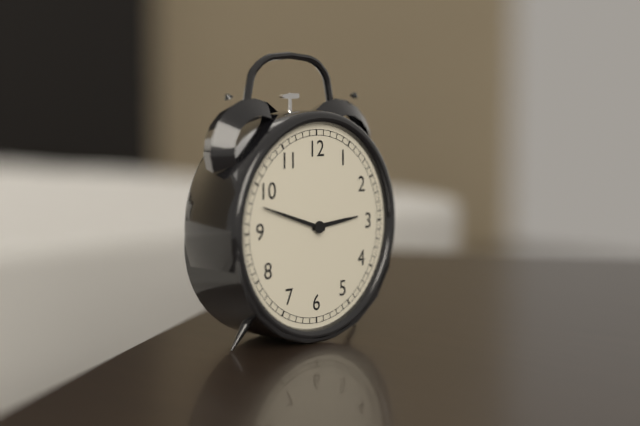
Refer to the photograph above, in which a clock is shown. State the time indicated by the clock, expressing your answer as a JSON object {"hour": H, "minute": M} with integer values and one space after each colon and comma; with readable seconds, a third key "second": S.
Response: {"hour": 2, "minute": 48}
